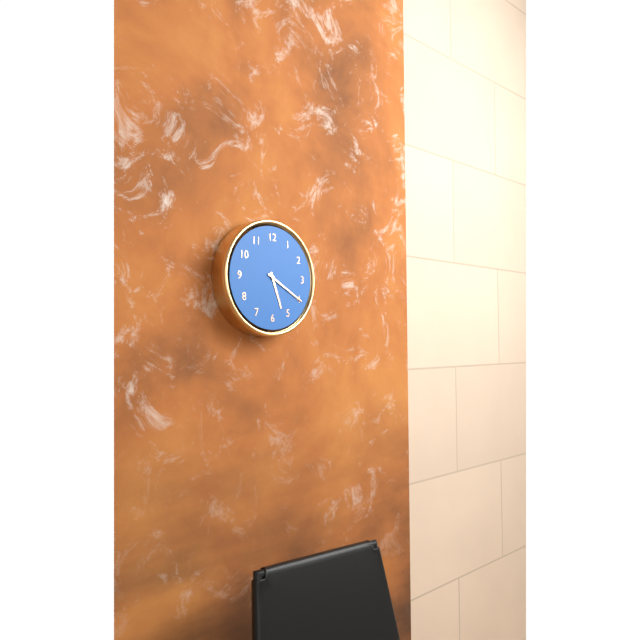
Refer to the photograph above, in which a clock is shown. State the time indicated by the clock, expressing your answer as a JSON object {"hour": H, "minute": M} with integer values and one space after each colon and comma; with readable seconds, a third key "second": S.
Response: {"hour": 5, "minute": 20}
